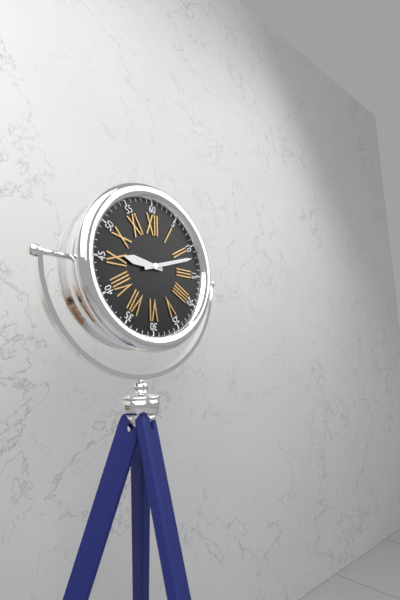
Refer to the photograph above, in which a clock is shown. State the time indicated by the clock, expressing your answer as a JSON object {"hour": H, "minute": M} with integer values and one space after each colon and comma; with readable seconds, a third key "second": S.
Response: {"hour": 9, "minute": 12}
